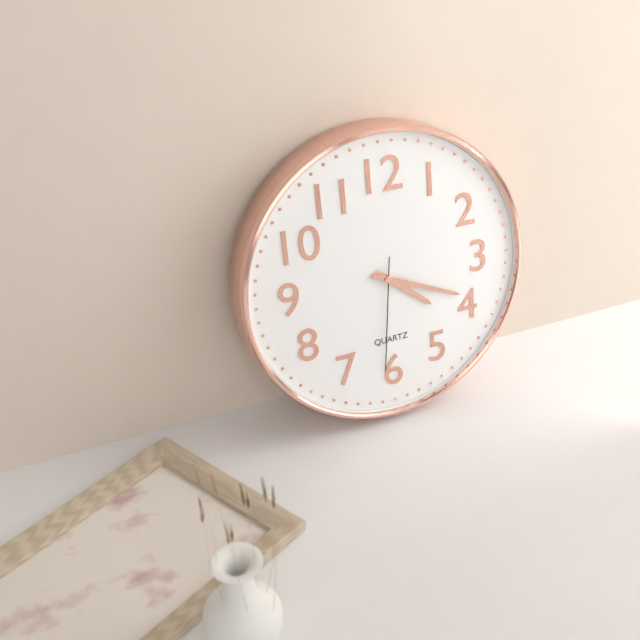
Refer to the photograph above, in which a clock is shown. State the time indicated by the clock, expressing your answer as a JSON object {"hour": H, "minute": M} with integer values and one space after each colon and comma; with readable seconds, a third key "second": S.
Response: {"hour": 4, "minute": 19, "second": 31}
